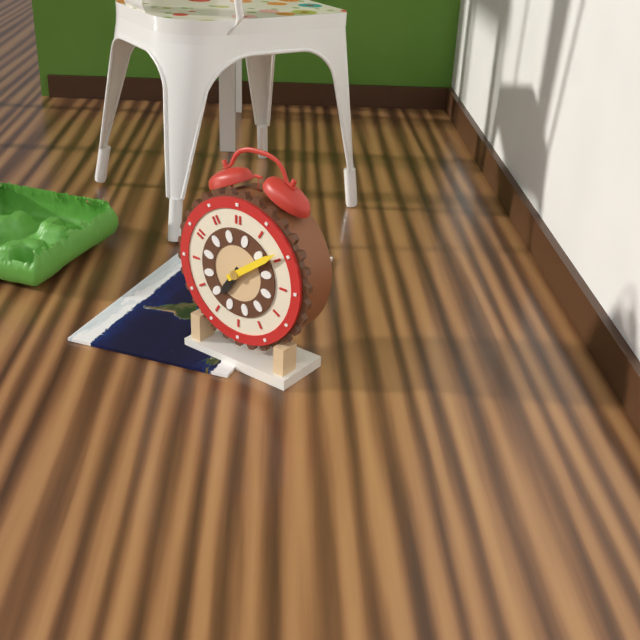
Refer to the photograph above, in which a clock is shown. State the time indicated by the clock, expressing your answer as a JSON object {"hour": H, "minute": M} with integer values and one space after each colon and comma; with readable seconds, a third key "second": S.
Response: {"hour": 7, "minute": 9}
